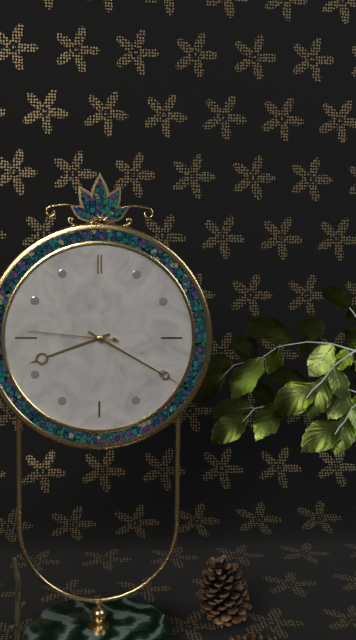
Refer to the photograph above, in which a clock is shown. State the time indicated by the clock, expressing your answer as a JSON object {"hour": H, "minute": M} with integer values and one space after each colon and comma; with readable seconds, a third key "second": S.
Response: {"hour": 8, "minute": 20, "second": 46}
